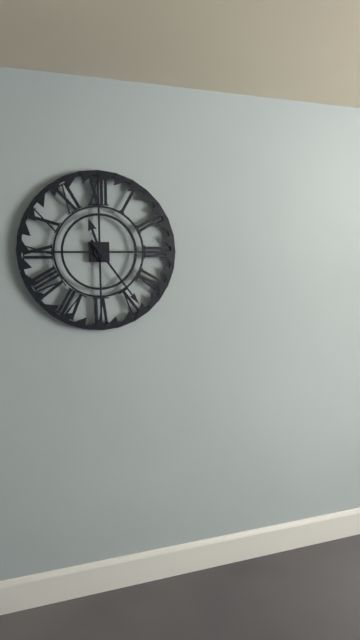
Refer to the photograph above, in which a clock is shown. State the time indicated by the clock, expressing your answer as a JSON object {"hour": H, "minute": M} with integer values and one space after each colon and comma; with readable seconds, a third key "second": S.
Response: {"hour": 11, "minute": 24}
